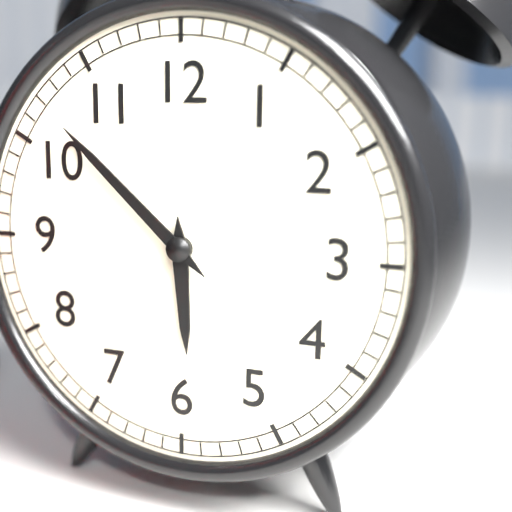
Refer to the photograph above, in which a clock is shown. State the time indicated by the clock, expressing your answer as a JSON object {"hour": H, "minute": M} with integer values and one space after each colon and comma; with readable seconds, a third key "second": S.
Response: {"hour": 5, "minute": 52}
